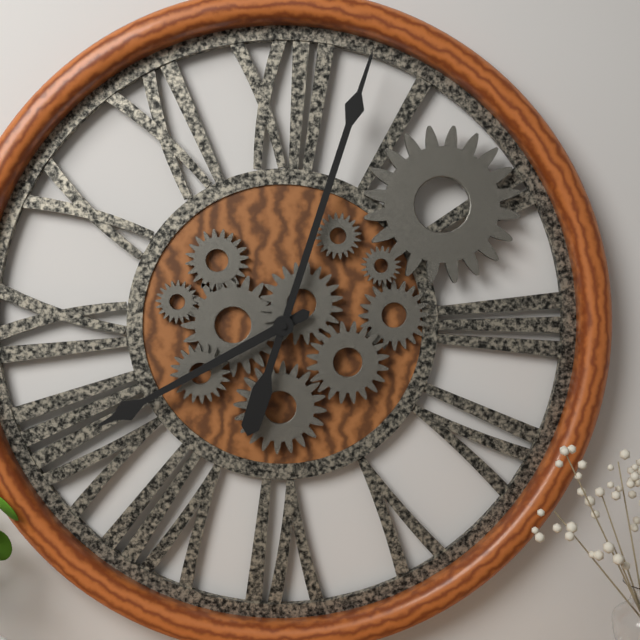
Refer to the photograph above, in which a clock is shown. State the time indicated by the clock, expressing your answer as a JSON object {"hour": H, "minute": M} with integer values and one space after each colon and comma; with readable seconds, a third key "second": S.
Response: {"hour": 8, "minute": 3}
